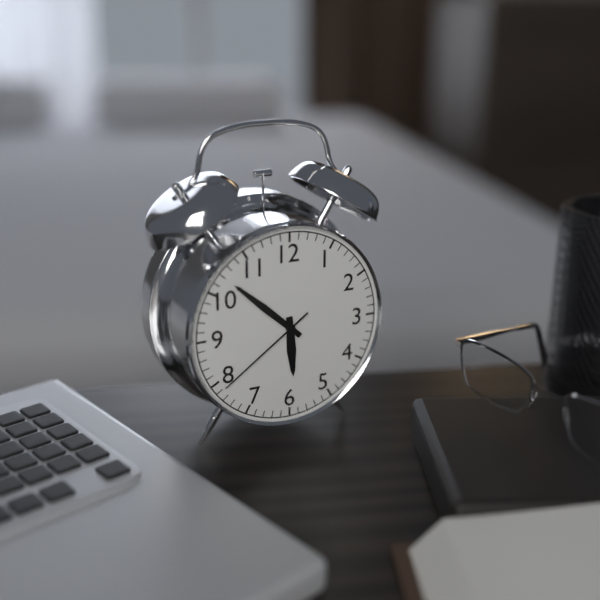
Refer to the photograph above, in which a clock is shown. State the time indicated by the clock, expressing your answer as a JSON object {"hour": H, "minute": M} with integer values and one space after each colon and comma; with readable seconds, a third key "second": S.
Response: {"hour": 5, "minute": 52, "second": 39}
